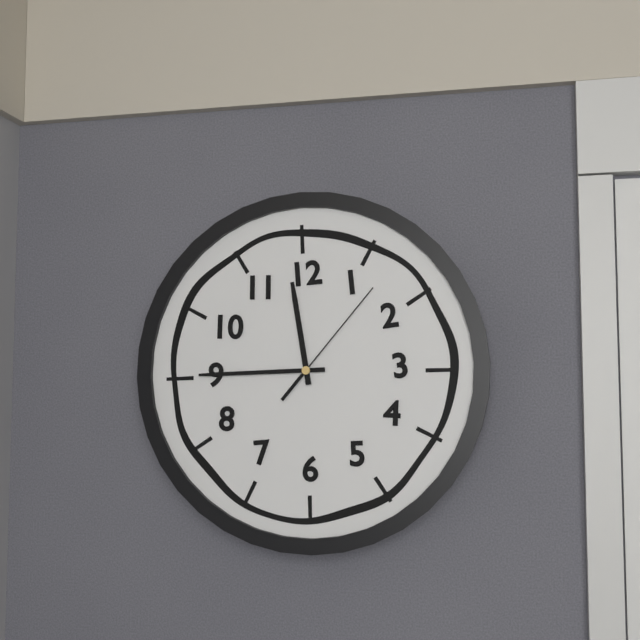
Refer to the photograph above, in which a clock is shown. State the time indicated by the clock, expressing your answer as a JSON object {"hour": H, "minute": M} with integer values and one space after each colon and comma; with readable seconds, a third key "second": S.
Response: {"hour": 11, "minute": 45, "second": 7}
